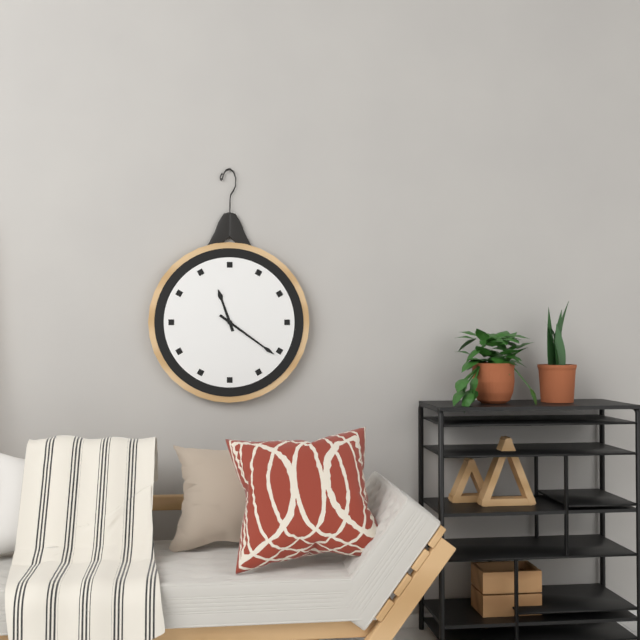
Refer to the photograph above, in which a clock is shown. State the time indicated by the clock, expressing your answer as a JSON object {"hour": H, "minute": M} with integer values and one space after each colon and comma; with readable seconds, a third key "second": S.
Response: {"hour": 11, "minute": 21}
